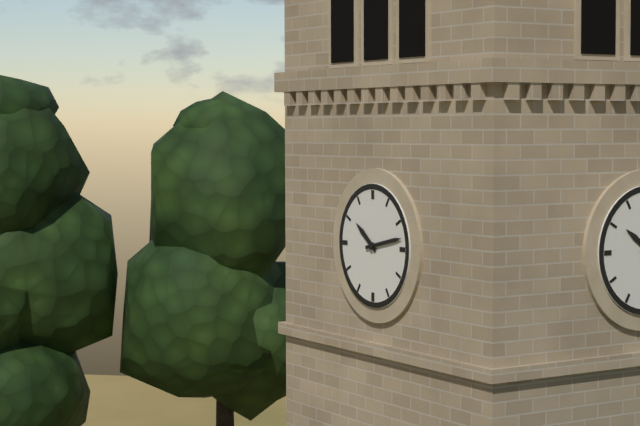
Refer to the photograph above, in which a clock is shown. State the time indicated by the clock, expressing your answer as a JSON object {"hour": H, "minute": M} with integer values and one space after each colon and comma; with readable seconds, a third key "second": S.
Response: {"hour": 10, "minute": 13}
